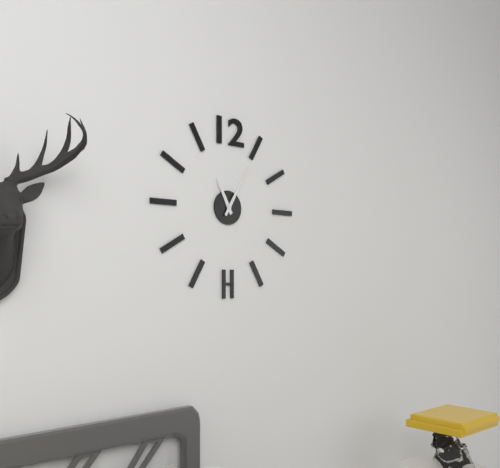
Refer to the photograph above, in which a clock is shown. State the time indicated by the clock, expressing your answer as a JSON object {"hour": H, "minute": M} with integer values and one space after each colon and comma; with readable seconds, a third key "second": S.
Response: {"hour": 11, "minute": 5}
